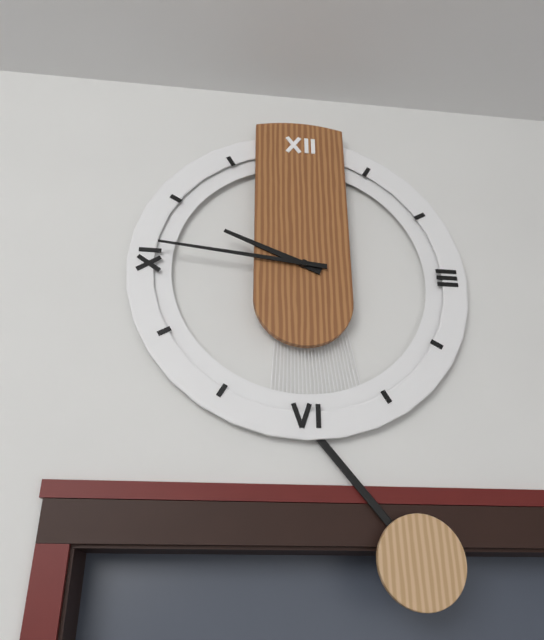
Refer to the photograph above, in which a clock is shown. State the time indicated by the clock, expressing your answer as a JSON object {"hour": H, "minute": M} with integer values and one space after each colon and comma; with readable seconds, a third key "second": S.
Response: {"hour": 9, "minute": 46}
